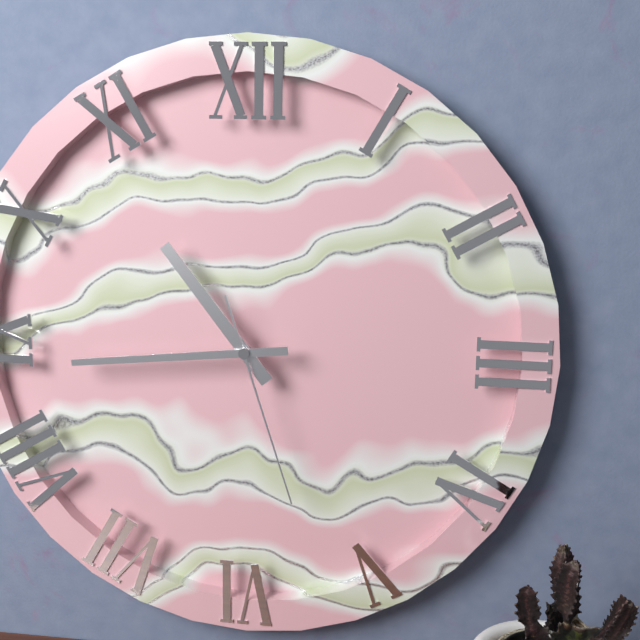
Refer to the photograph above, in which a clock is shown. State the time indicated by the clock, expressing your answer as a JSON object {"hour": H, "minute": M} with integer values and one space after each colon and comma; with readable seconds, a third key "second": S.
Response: {"hour": 10, "minute": 44, "second": 27}
